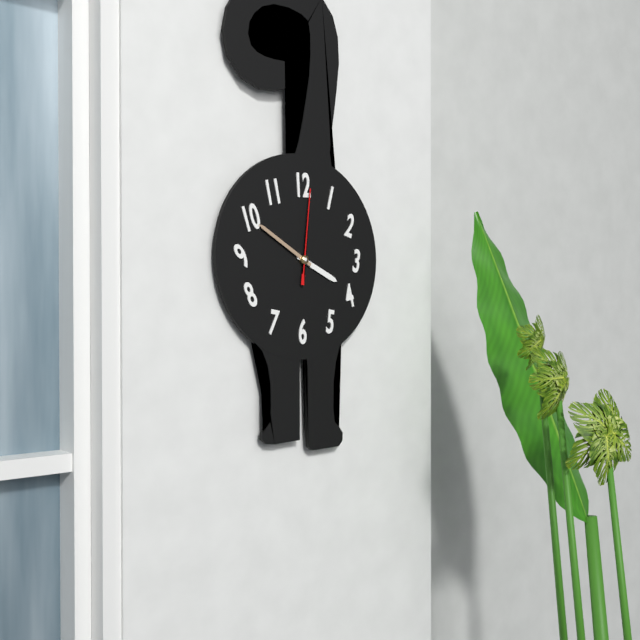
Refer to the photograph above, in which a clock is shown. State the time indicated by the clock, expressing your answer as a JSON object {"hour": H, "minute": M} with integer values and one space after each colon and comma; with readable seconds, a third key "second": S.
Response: {"hour": 3, "minute": 50, "second": 1}
